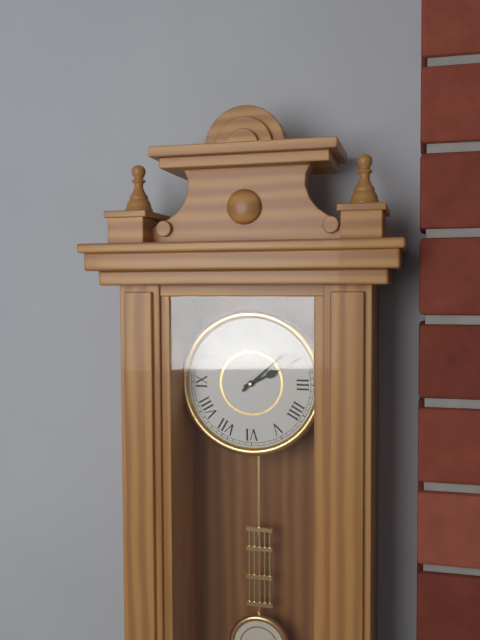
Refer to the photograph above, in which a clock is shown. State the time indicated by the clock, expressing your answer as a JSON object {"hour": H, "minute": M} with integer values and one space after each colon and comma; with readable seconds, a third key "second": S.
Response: {"hour": 2, "minute": 8}
